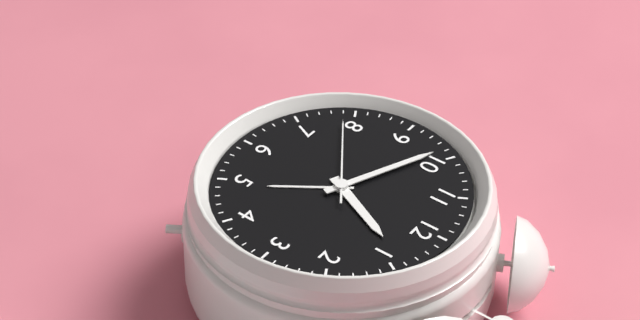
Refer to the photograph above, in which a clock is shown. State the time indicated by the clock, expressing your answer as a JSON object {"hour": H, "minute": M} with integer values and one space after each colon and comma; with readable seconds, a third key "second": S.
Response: {"hour": 12, "minute": 49, "second": 39}
